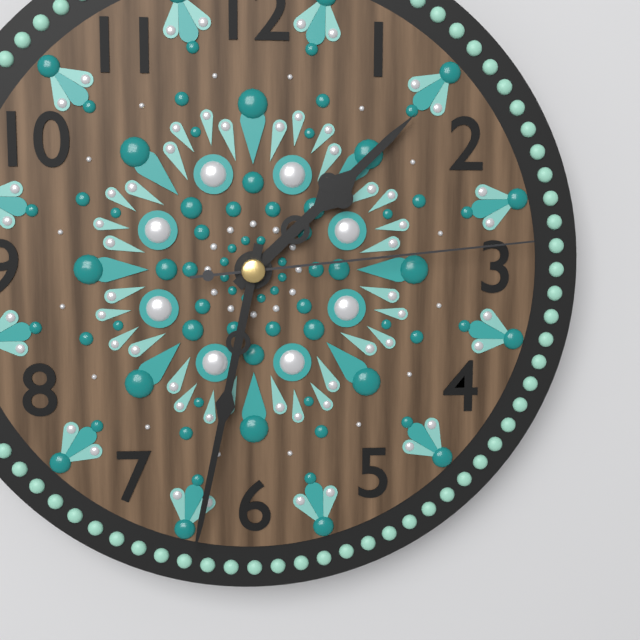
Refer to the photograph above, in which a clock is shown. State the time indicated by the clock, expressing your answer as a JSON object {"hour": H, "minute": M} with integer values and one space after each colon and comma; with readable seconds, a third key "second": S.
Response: {"hour": 1, "minute": 32, "second": 14}
